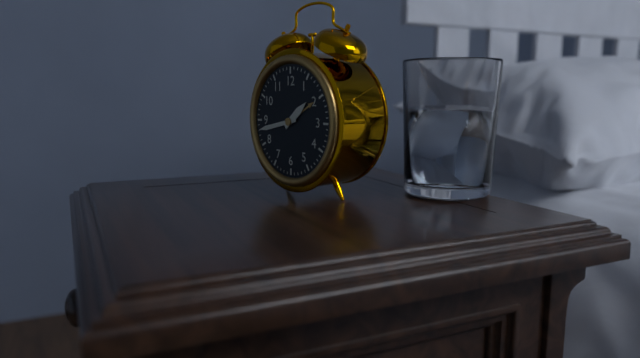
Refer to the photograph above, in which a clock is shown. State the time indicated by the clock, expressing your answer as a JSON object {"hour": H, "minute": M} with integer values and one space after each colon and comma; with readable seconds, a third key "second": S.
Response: {"hour": 1, "minute": 43}
